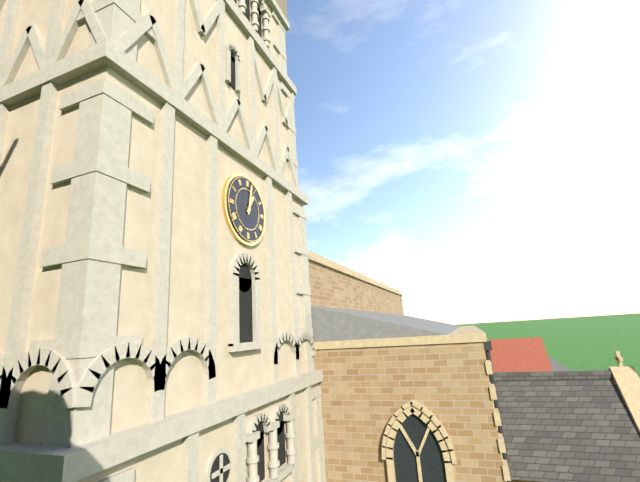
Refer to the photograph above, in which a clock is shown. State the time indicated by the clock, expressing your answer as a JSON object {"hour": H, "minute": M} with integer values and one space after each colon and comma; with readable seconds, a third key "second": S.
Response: {"hour": 1, "minute": 2}
